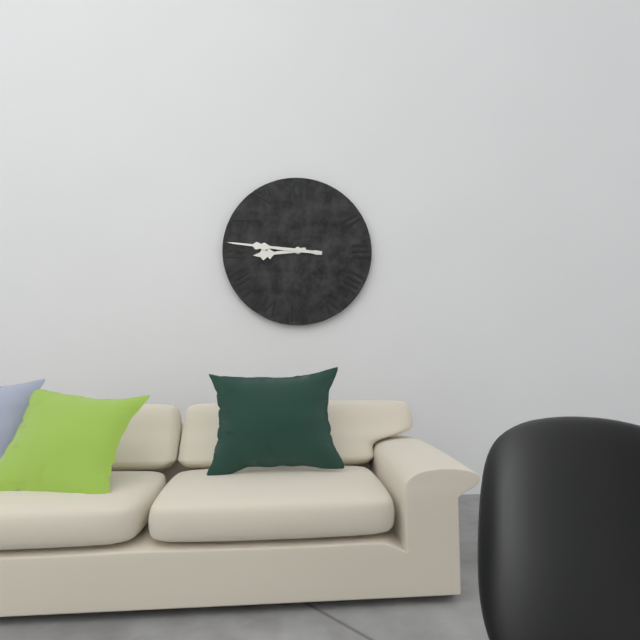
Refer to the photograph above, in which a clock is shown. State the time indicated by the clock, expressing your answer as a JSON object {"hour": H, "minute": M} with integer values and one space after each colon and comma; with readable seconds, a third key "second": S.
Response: {"hour": 8, "minute": 46}
